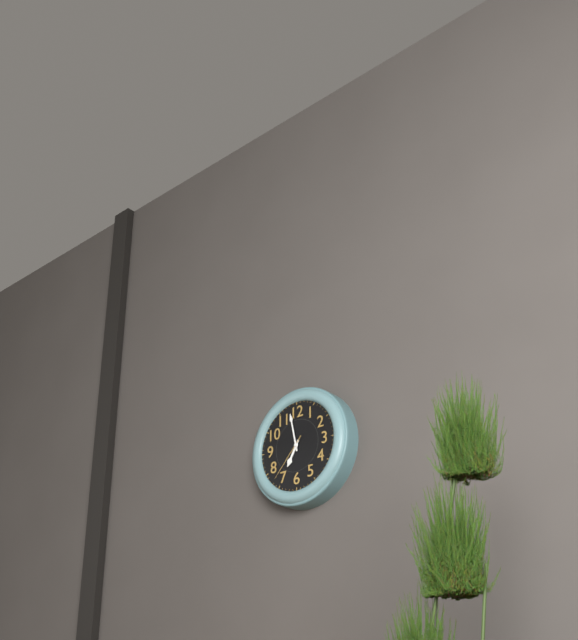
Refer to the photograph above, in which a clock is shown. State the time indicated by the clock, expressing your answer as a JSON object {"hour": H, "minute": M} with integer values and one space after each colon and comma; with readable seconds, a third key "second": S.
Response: {"hour": 6, "minute": 58}
